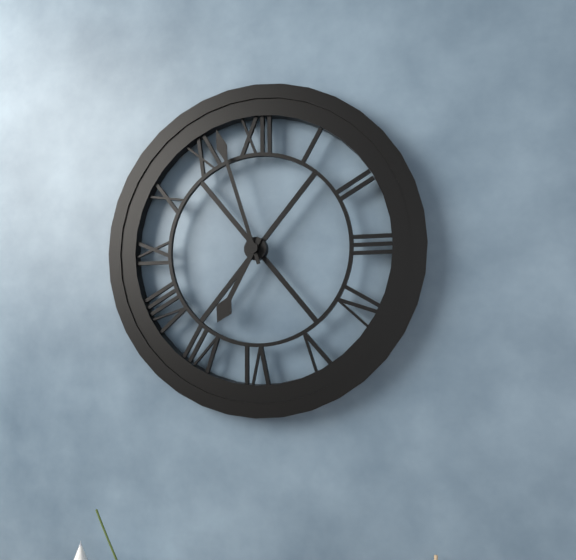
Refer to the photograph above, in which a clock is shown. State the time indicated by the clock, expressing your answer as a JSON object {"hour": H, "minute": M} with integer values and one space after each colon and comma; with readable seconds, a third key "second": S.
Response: {"hour": 6, "minute": 57}
